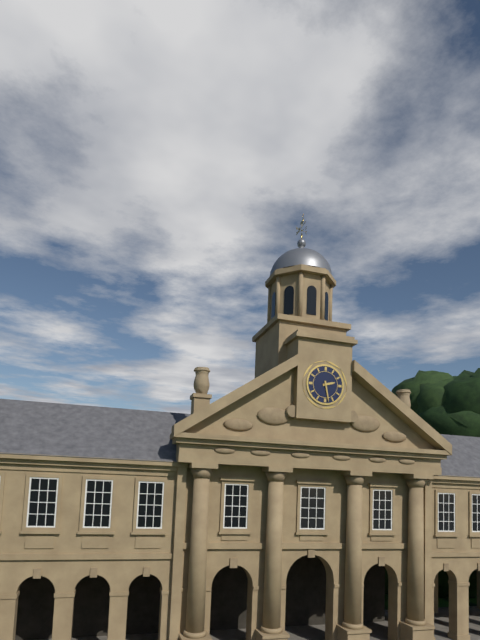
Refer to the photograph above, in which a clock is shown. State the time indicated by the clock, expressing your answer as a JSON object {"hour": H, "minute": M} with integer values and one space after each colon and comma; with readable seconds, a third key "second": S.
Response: {"hour": 2, "minute": 28}
